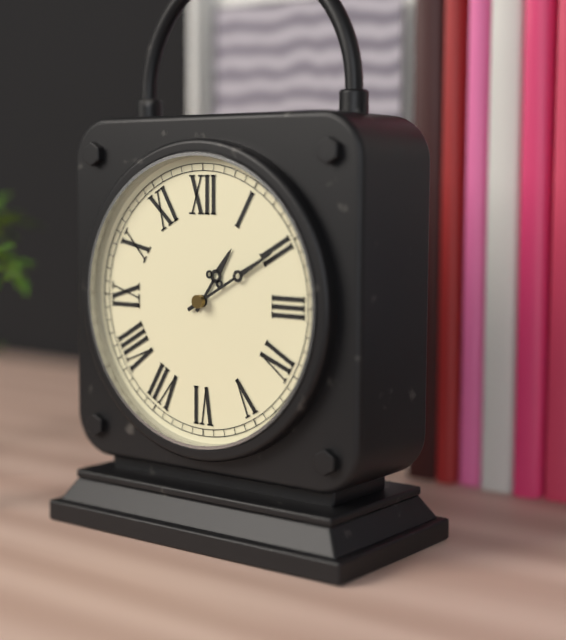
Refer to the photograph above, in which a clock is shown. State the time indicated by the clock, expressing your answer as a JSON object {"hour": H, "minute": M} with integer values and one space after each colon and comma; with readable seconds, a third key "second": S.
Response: {"hour": 1, "minute": 10}
